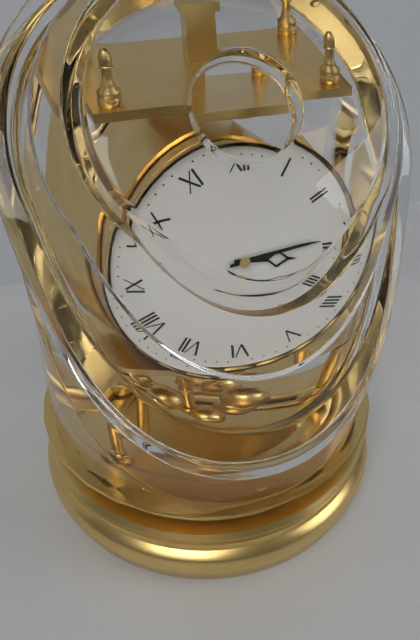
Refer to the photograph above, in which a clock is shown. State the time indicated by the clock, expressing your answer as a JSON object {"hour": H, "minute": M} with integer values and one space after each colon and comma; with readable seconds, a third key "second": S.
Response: {"hour": 3, "minute": 14}
